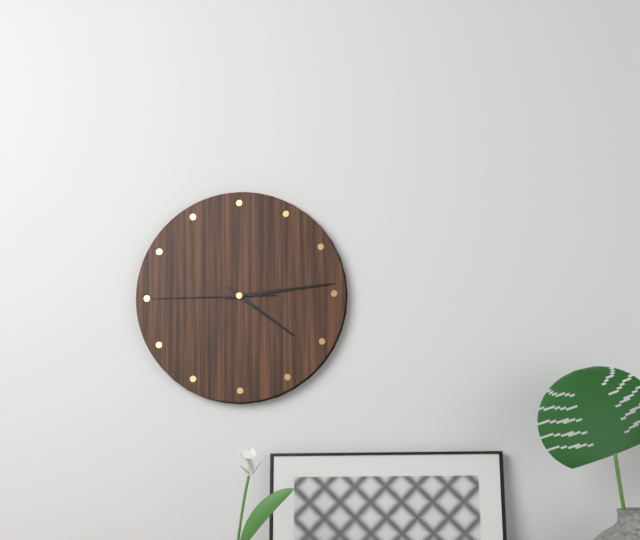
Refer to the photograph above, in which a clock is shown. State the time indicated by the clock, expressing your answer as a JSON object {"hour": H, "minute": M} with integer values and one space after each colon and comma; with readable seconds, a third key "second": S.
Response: {"hour": 4, "minute": 14, "second": 45}
